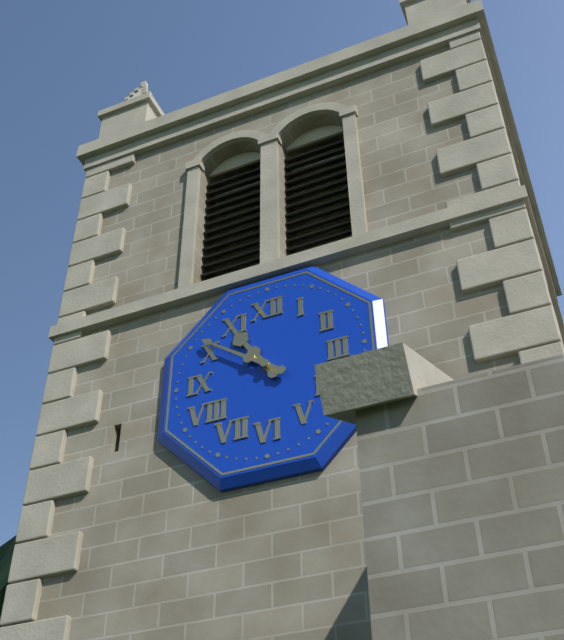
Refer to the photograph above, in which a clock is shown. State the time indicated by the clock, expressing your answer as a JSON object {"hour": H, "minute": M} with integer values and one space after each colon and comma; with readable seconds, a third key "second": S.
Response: {"hour": 10, "minute": 51}
